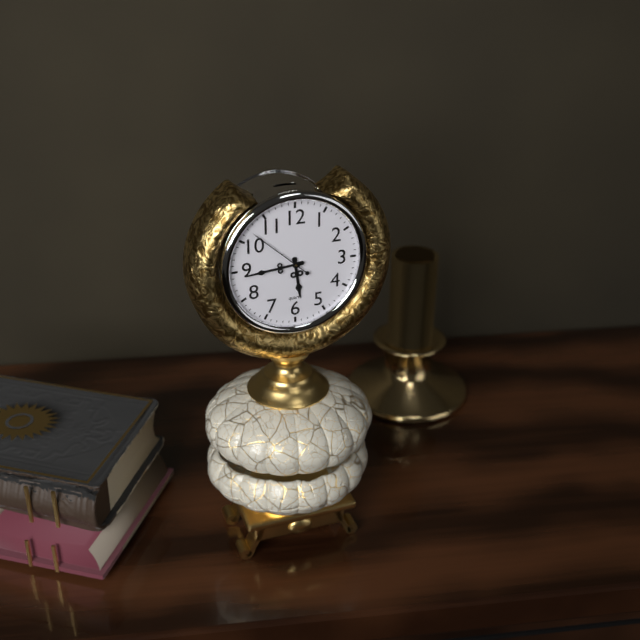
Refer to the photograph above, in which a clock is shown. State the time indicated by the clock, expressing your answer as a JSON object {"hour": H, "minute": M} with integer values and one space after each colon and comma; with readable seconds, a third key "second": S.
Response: {"hour": 5, "minute": 44, "second": 52}
